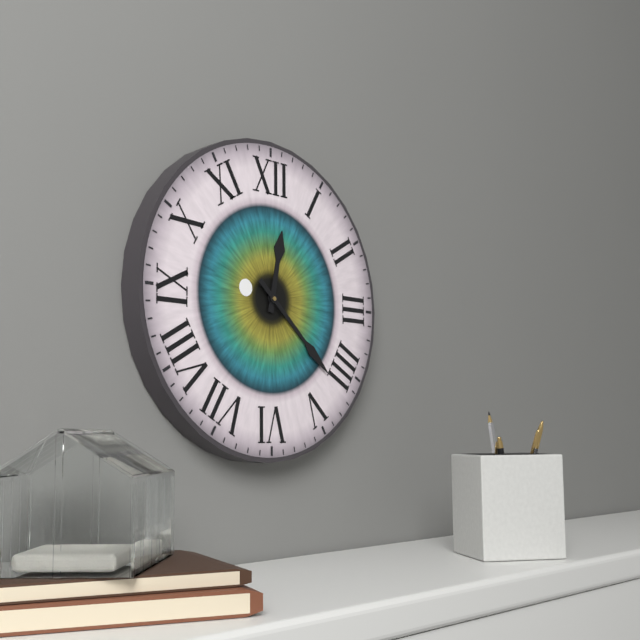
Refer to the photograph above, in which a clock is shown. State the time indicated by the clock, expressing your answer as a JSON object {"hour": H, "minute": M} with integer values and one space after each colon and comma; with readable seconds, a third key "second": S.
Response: {"hour": 12, "minute": 22}
